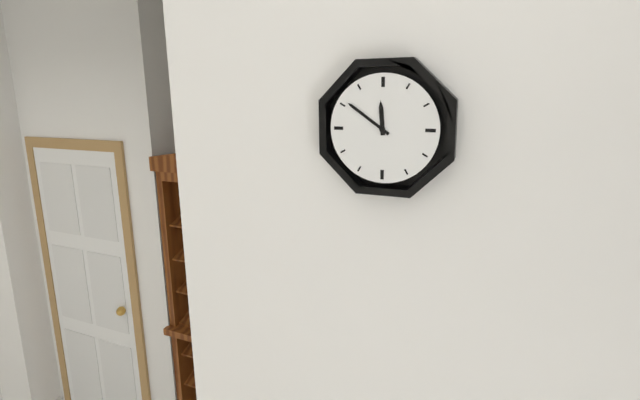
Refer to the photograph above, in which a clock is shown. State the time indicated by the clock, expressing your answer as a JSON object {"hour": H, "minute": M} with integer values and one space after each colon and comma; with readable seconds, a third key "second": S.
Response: {"hour": 11, "minute": 51}
